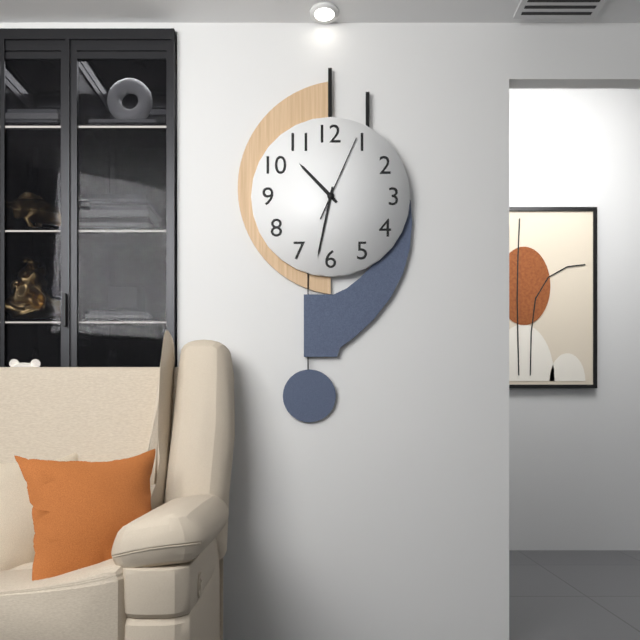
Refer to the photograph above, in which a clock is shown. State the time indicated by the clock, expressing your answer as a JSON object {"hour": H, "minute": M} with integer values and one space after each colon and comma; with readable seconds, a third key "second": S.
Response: {"hour": 10, "minute": 32, "second": 4}
